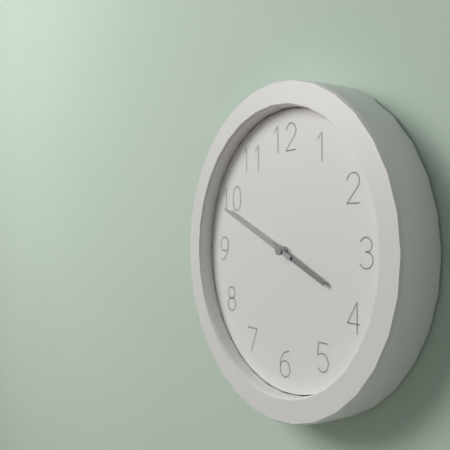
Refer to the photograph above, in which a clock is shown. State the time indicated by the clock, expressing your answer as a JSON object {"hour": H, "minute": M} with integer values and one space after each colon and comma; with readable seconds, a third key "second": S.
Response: {"hour": 3, "minute": 49}
